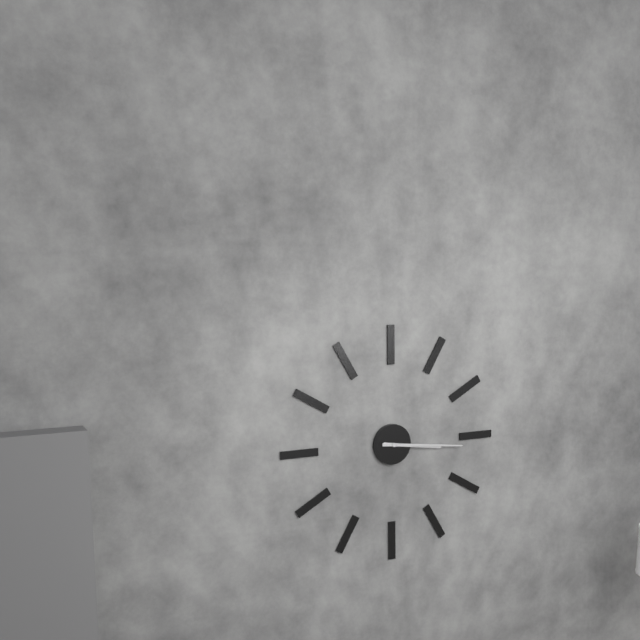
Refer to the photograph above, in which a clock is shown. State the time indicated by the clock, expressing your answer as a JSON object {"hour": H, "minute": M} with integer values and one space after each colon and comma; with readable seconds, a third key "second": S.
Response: {"hour": 3, "minute": 16}
